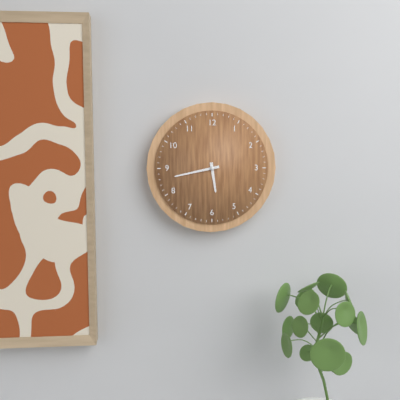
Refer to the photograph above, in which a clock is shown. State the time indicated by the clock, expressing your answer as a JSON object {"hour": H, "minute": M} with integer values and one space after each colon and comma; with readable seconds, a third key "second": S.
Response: {"hour": 5, "minute": 43}
